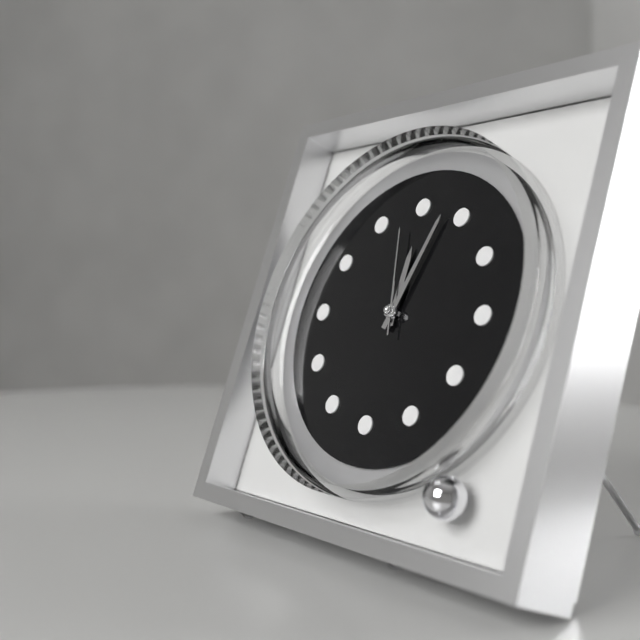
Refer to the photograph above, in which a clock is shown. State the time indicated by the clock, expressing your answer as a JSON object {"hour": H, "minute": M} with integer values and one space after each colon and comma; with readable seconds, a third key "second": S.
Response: {"hour": 12, "minute": 3, "second": 58}
